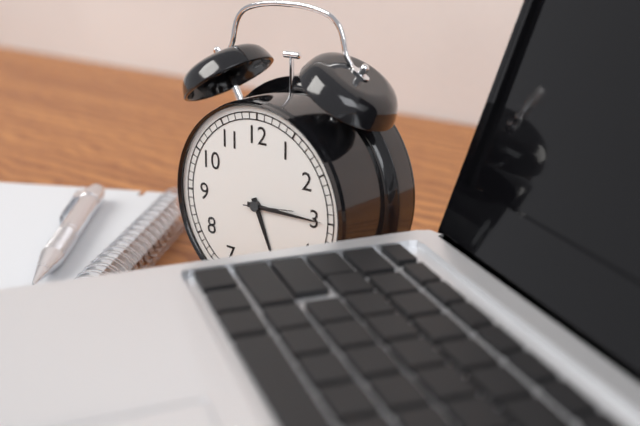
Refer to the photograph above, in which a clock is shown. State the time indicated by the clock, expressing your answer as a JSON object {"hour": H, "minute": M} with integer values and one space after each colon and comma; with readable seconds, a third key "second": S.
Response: {"hour": 5, "minute": 15}
